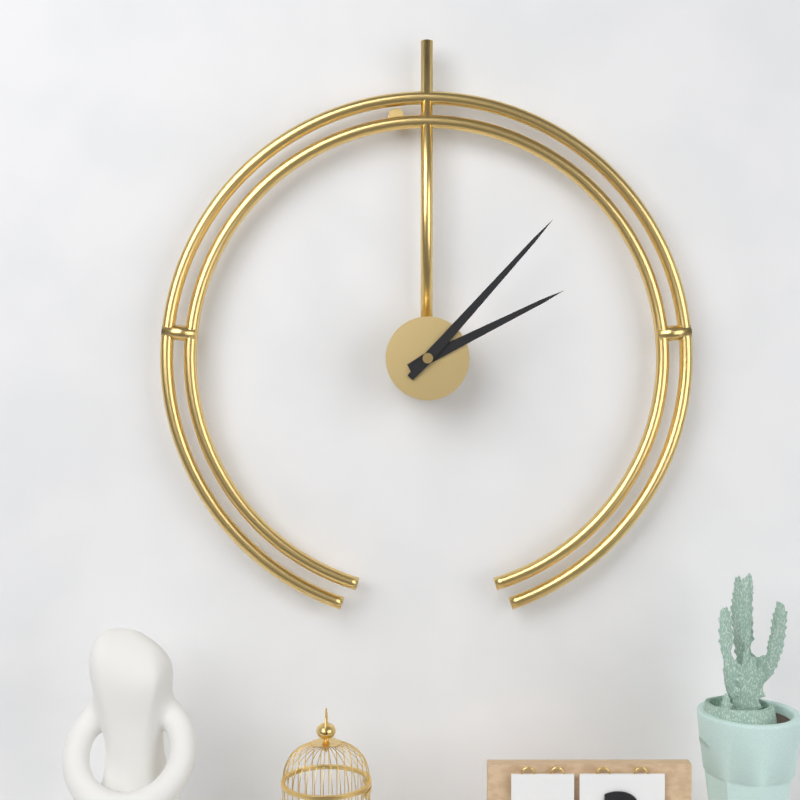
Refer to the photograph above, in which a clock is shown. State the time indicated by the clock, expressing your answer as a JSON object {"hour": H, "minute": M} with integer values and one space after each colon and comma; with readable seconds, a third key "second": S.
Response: {"hour": 2, "minute": 7}
